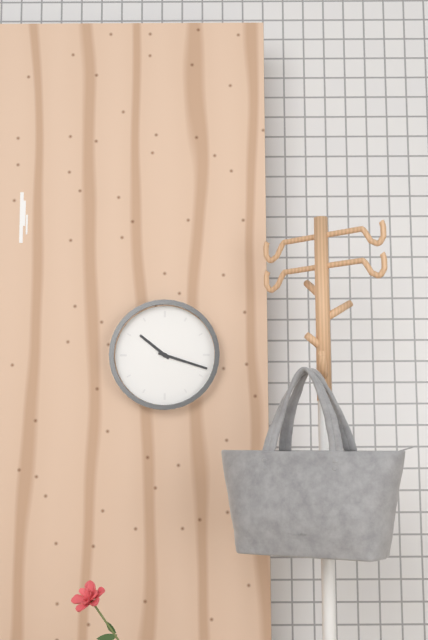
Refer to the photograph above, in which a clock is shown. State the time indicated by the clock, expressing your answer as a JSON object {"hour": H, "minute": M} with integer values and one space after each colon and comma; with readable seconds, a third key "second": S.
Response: {"hour": 10, "minute": 18}
